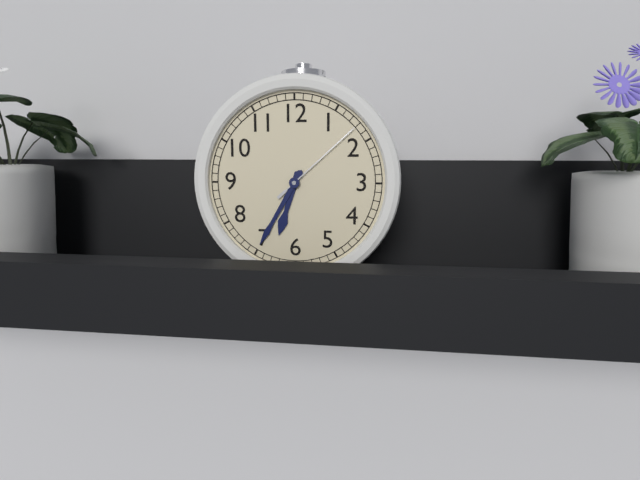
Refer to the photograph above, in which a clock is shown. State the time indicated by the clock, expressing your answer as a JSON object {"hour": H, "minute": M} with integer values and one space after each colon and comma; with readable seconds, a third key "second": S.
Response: {"hour": 6, "minute": 35, "second": 8}
